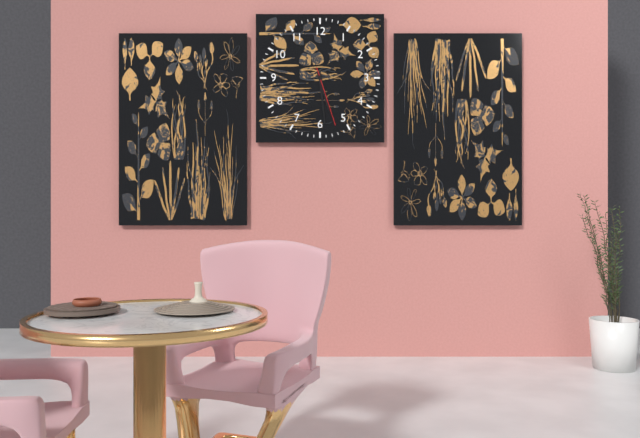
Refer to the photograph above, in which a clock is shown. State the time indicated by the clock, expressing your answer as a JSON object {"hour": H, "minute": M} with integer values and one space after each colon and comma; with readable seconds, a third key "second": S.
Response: {"hour": 5, "minute": 29, "second": 27}
